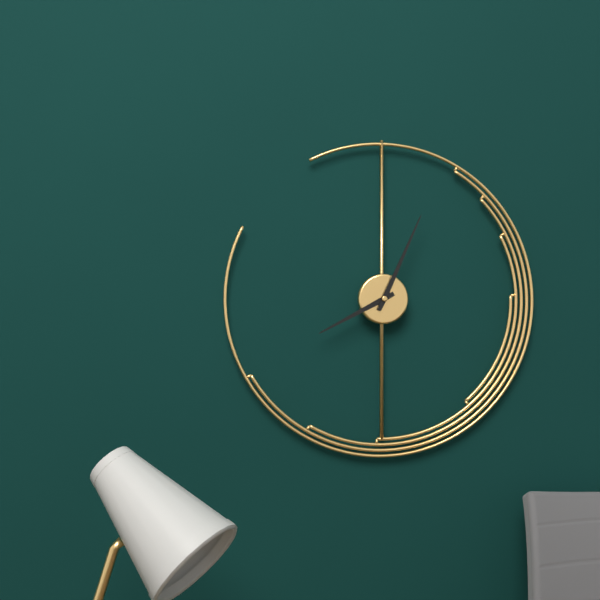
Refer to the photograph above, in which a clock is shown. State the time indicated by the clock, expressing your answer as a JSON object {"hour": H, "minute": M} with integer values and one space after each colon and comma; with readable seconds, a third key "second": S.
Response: {"hour": 8, "minute": 4}
